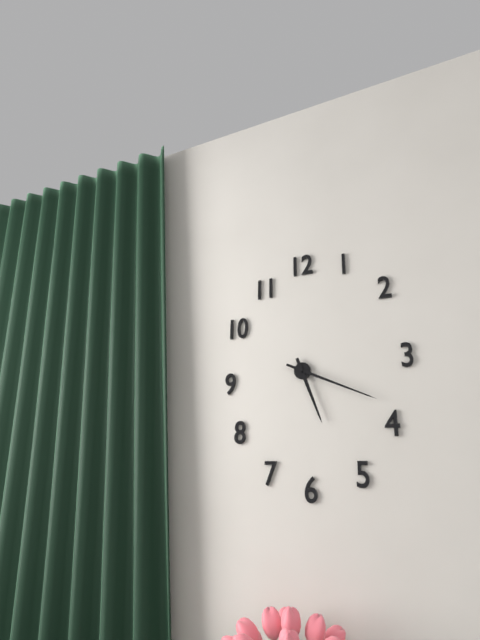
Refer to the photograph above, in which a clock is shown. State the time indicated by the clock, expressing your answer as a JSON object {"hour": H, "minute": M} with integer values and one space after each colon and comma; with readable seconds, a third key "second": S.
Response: {"hour": 5, "minute": 19}
